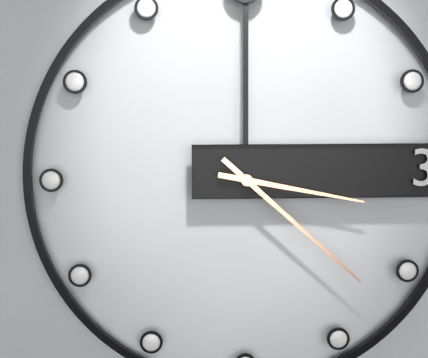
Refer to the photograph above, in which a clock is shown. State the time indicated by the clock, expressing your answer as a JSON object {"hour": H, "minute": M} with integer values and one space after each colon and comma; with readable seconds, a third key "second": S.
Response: {"hour": 3, "minute": 22}
